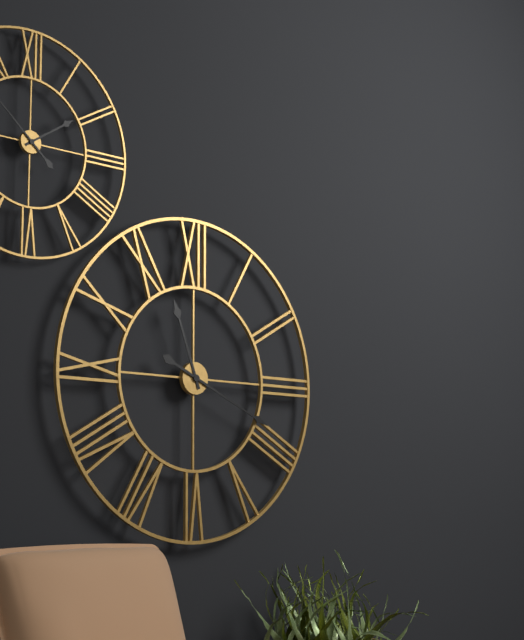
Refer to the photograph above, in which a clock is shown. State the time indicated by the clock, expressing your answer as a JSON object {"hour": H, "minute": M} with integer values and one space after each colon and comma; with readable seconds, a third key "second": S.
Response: {"hour": 11, "minute": 19}
